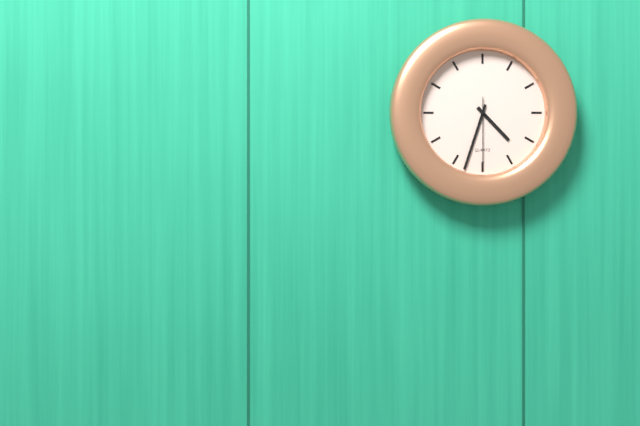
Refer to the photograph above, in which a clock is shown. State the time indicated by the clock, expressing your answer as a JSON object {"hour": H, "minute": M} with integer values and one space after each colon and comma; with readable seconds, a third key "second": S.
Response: {"hour": 4, "minute": 33, "second": 30}
